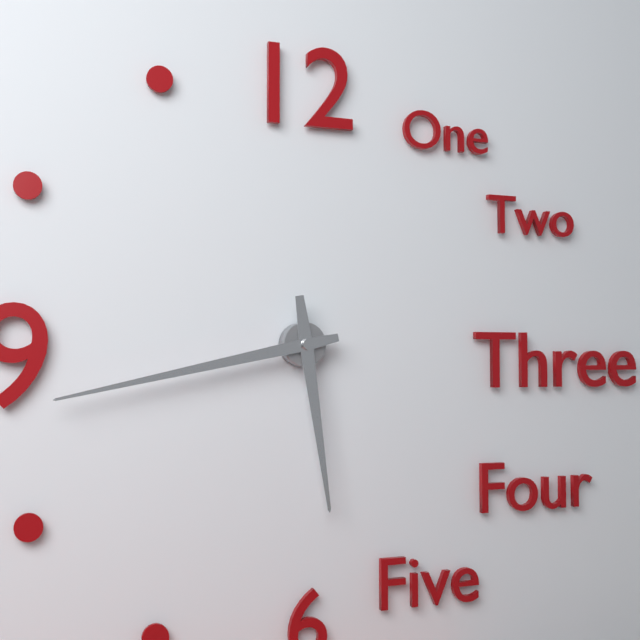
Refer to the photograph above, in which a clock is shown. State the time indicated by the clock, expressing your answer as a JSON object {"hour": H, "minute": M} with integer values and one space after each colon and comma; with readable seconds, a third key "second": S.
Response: {"hour": 5, "minute": 43}
